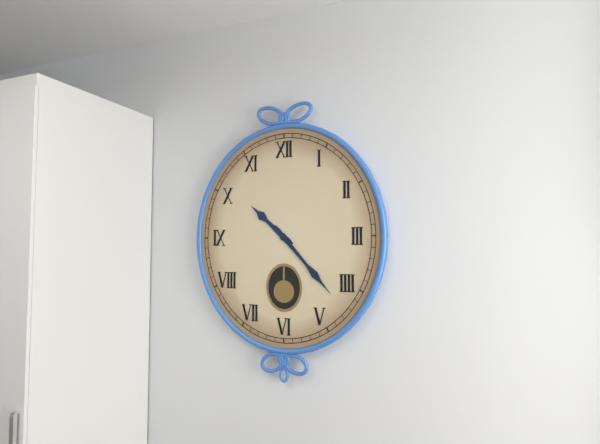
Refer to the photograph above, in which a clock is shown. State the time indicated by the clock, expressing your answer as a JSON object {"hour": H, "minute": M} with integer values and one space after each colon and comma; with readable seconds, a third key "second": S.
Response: {"hour": 10, "minute": 23}
